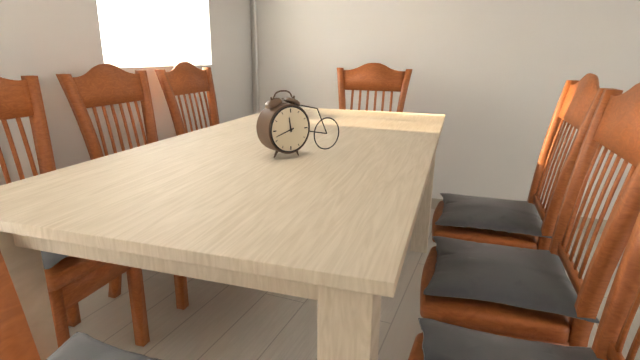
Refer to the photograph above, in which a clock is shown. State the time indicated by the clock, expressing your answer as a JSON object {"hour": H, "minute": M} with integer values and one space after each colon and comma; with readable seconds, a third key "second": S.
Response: {"hour": 11, "minute": 42}
